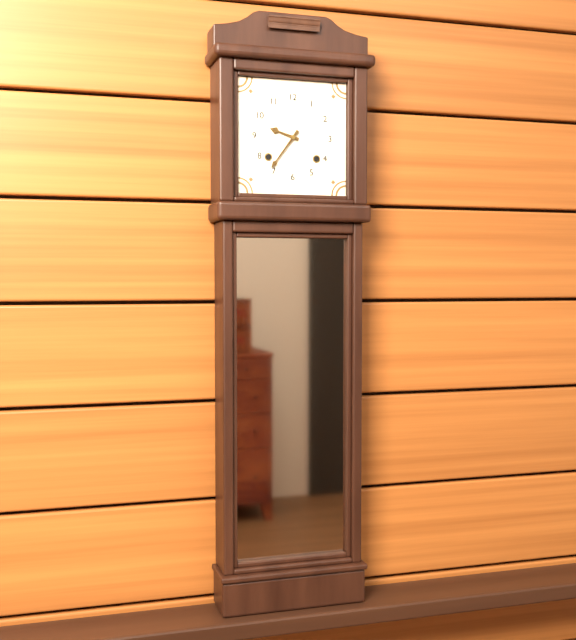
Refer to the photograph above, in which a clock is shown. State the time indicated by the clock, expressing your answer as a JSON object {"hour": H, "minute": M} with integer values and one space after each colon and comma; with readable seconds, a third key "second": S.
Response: {"hour": 9, "minute": 36}
